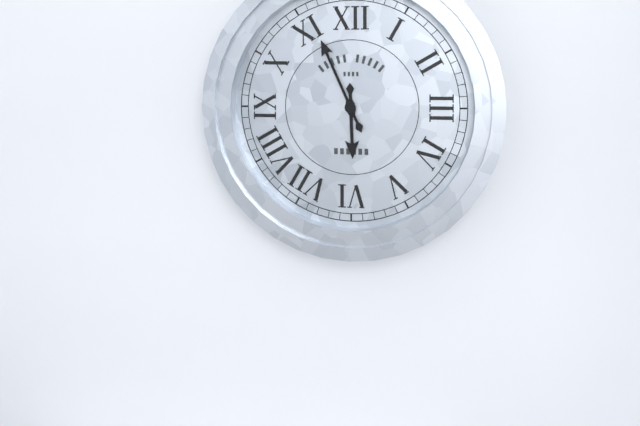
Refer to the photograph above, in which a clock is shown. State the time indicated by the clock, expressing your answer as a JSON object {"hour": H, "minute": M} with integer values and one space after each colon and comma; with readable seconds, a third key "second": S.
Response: {"hour": 5, "minute": 56}
